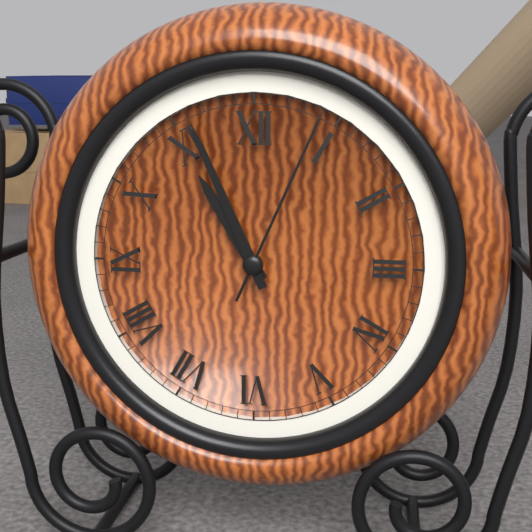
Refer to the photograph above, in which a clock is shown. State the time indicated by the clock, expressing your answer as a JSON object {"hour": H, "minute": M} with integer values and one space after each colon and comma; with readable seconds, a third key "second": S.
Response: {"hour": 10, "minute": 56, "second": 4}
